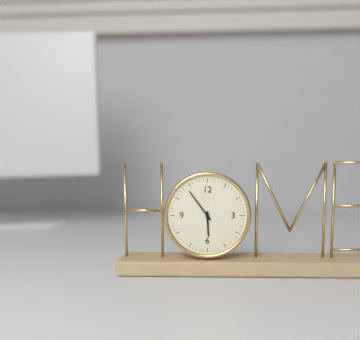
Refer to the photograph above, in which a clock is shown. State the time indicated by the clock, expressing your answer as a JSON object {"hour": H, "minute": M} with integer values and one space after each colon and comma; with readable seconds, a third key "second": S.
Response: {"hour": 5, "minute": 54}
